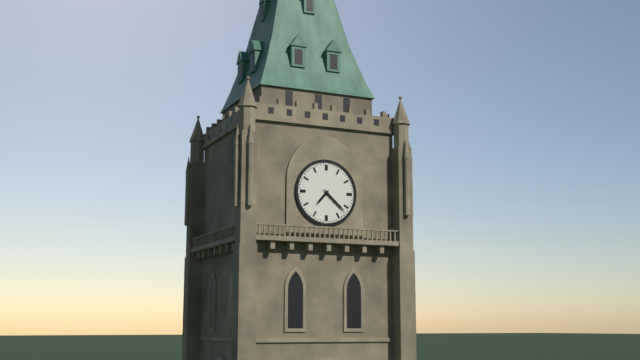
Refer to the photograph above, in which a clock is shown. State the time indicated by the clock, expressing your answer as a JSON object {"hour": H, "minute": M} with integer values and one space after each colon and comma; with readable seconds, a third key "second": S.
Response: {"hour": 7, "minute": 22}
